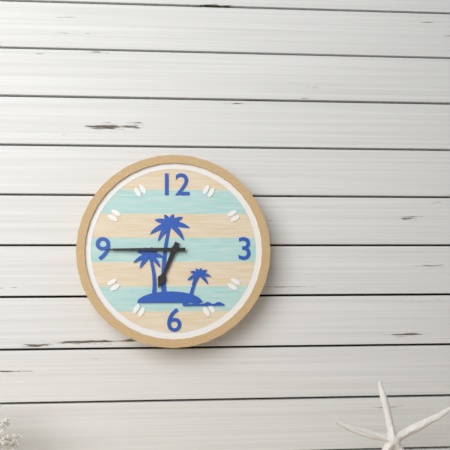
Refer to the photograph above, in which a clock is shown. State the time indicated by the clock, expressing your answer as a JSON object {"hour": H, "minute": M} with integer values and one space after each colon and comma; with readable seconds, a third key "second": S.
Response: {"hour": 6, "minute": 45}
